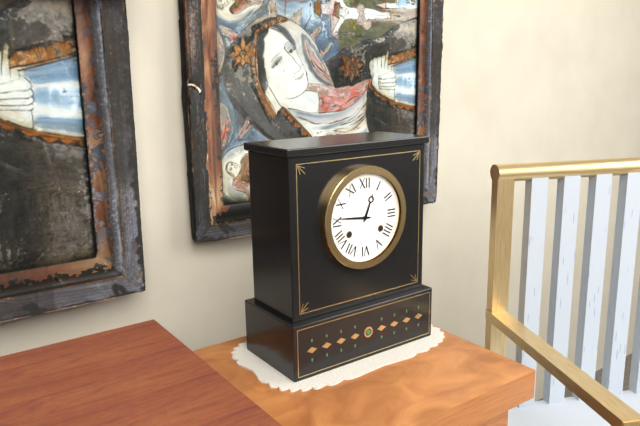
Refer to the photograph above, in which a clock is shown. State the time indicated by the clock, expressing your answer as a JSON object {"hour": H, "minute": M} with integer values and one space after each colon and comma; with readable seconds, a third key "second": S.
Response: {"hour": 12, "minute": 46}
